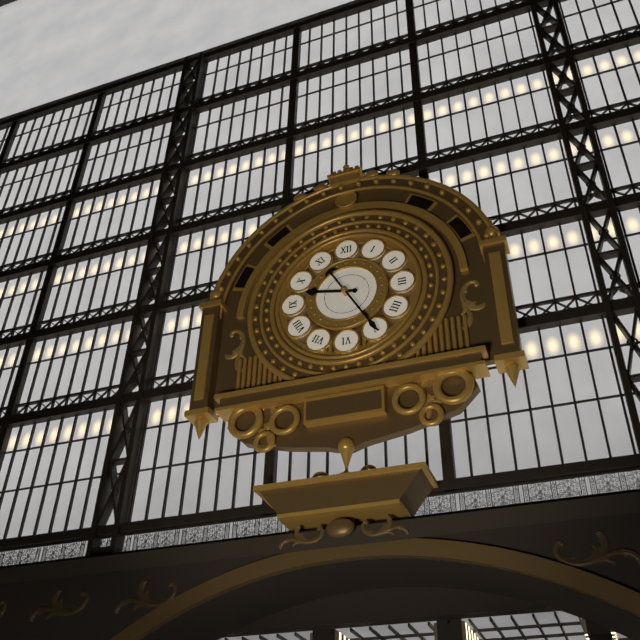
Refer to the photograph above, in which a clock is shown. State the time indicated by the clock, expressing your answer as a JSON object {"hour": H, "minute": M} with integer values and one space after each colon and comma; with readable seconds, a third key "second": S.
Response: {"hour": 9, "minute": 25}
